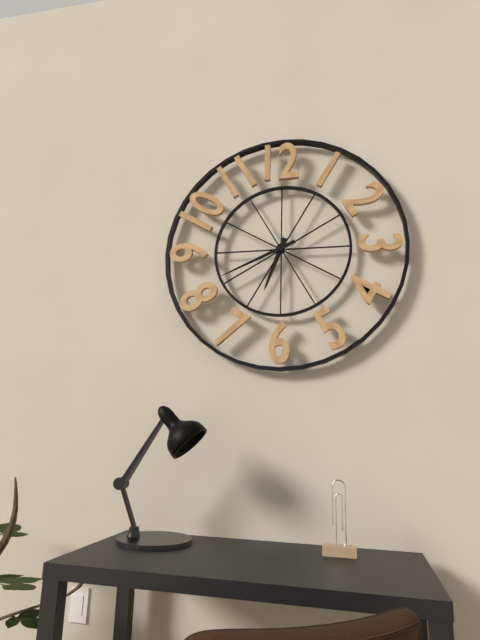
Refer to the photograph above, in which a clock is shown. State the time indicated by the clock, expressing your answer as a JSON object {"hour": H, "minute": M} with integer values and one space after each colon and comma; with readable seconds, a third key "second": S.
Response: {"hour": 6, "minute": 41}
